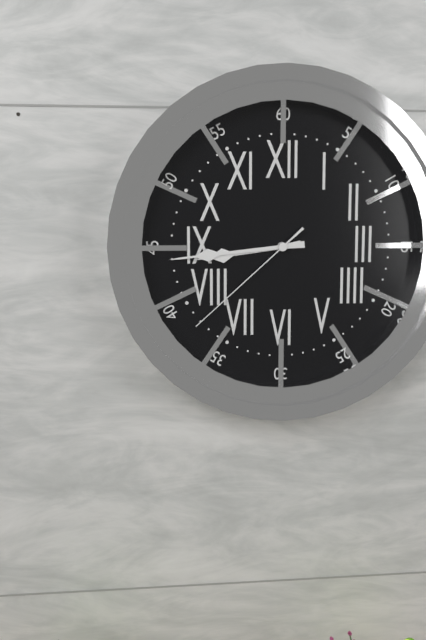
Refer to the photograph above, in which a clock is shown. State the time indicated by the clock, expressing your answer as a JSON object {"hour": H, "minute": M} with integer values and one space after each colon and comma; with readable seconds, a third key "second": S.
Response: {"hour": 8, "minute": 44, "second": 38}
